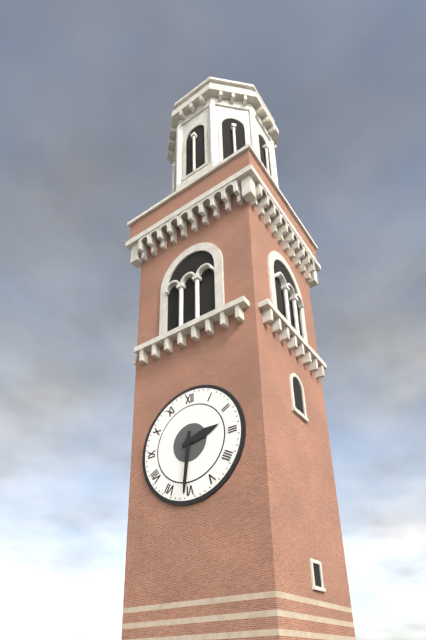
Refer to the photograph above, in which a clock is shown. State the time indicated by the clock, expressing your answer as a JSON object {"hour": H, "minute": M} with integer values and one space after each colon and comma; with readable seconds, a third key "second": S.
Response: {"hour": 2, "minute": 31}
